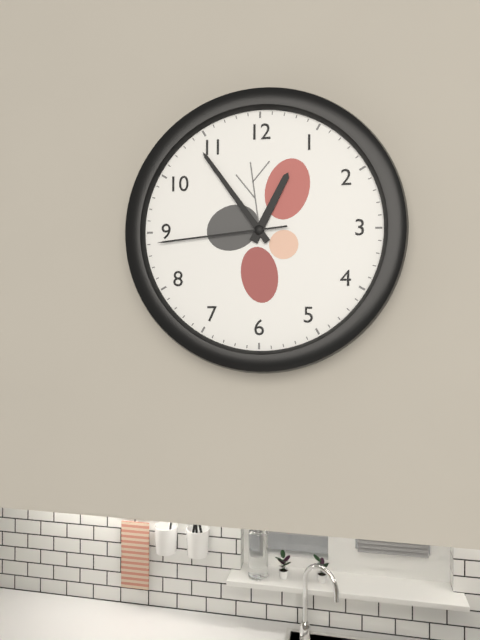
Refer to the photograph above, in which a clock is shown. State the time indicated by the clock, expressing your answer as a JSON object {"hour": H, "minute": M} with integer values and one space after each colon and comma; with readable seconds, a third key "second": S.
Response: {"hour": 12, "minute": 54, "second": 44}
